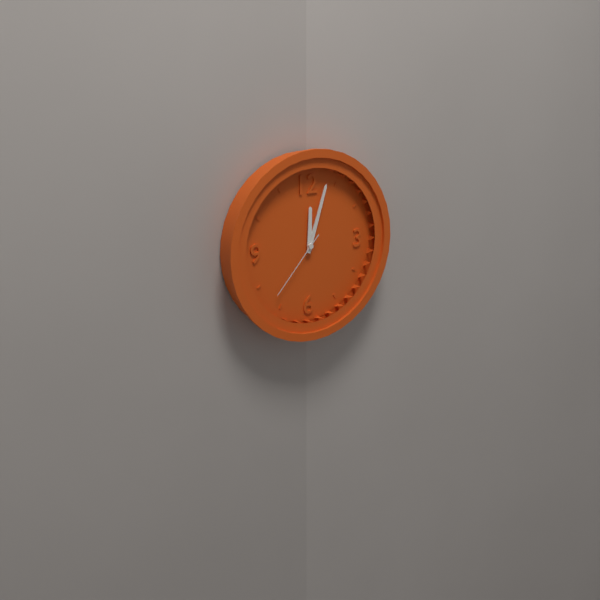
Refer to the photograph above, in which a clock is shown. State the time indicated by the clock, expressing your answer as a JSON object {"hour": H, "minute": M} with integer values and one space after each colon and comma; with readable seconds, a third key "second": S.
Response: {"hour": 12, "minute": 3, "second": 37}
